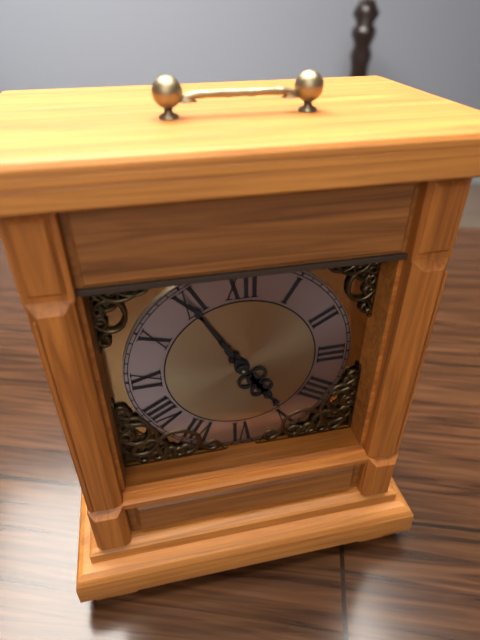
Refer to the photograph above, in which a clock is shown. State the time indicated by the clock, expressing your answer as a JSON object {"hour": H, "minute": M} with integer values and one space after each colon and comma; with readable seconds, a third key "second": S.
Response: {"hour": 4, "minute": 55}
